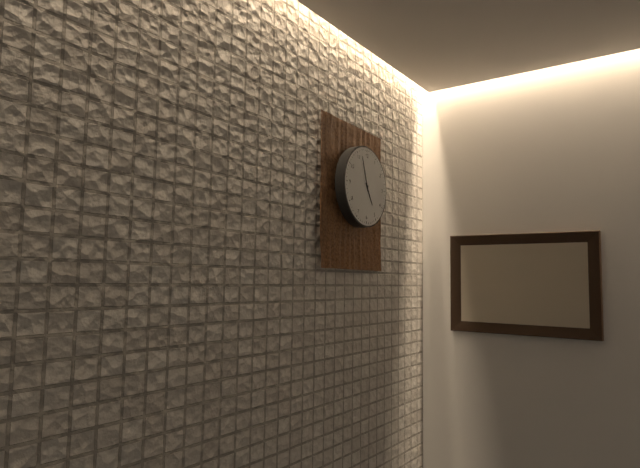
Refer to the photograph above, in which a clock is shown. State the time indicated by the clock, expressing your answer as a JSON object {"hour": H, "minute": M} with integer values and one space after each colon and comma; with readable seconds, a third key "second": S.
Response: {"hour": 4, "minute": 57}
